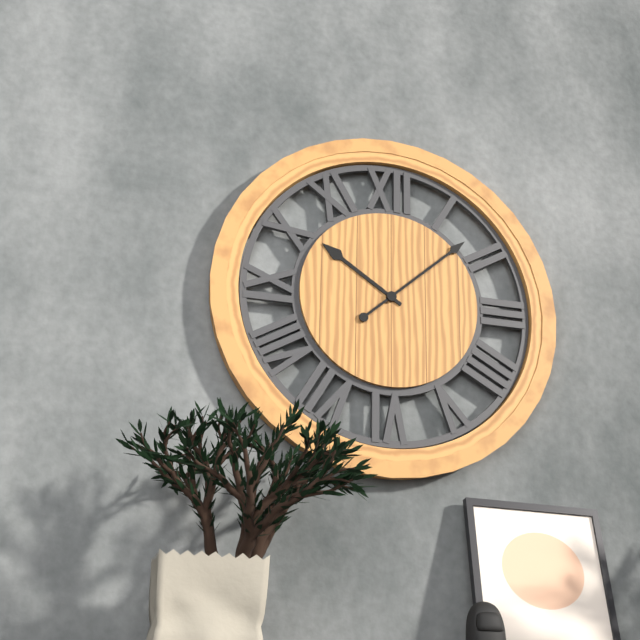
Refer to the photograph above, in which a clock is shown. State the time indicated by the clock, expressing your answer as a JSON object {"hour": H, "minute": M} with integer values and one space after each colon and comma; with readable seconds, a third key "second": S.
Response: {"hour": 10, "minute": 8}
